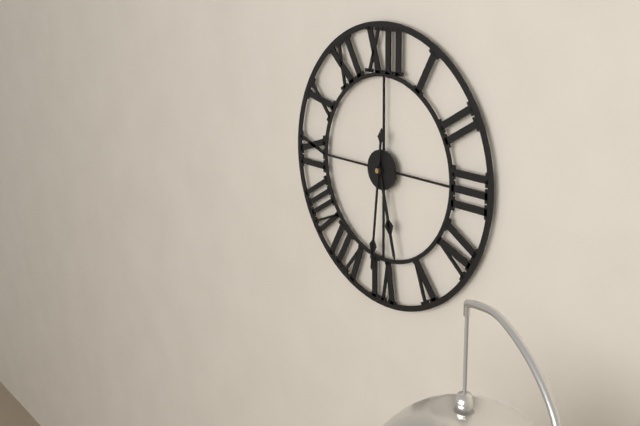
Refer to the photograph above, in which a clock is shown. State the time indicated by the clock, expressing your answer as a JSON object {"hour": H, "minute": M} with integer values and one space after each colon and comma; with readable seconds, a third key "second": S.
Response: {"hour": 5, "minute": 31}
